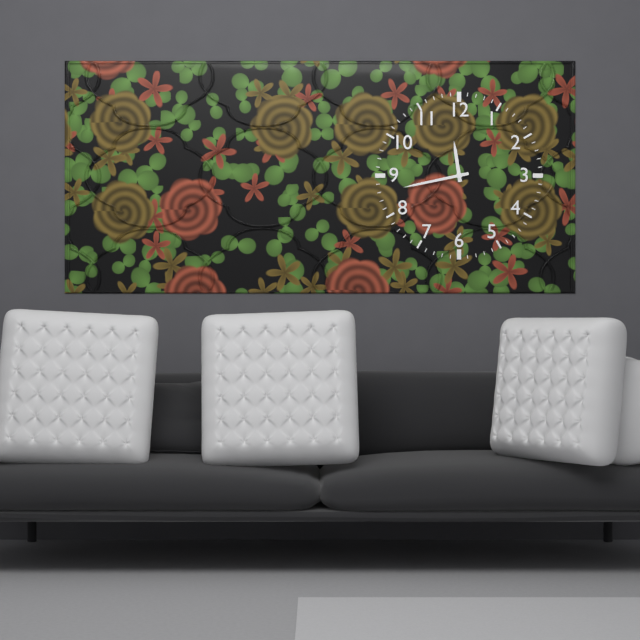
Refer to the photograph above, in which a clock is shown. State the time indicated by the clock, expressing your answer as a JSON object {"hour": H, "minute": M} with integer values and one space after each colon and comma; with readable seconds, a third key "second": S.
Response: {"hour": 11, "minute": 43}
